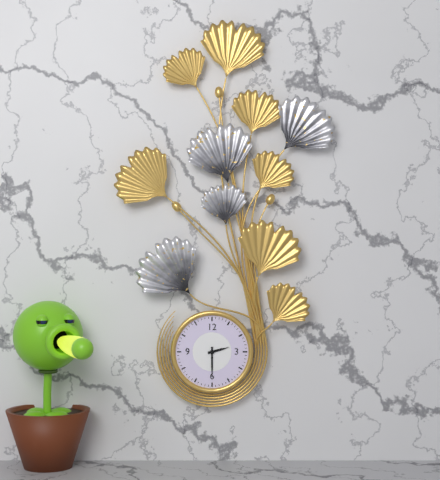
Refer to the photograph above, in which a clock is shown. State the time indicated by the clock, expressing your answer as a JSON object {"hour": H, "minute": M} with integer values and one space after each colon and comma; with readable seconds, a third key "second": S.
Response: {"hour": 2, "minute": 30}
